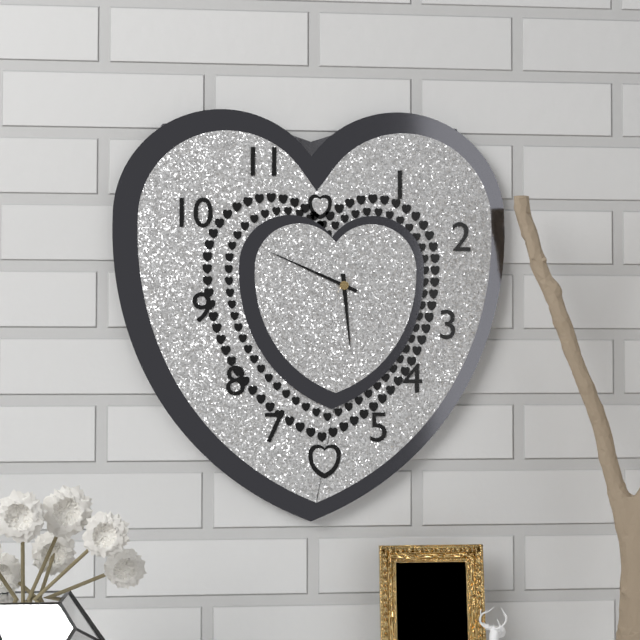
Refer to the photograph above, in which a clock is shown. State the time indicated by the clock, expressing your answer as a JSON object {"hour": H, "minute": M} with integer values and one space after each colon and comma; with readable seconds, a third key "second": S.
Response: {"hour": 5, "minute": 49}
